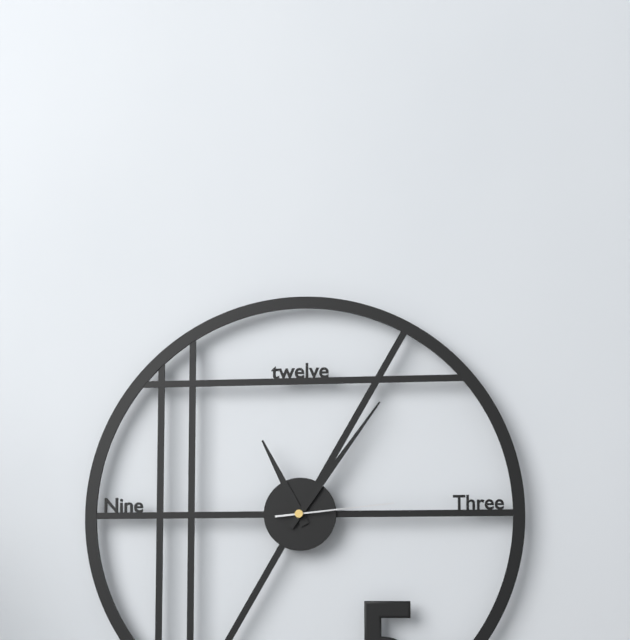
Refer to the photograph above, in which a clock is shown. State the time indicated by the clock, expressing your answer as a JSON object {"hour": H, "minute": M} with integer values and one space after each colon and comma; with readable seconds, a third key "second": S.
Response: {"hour": 11, "minute": 6, "second": 14}
